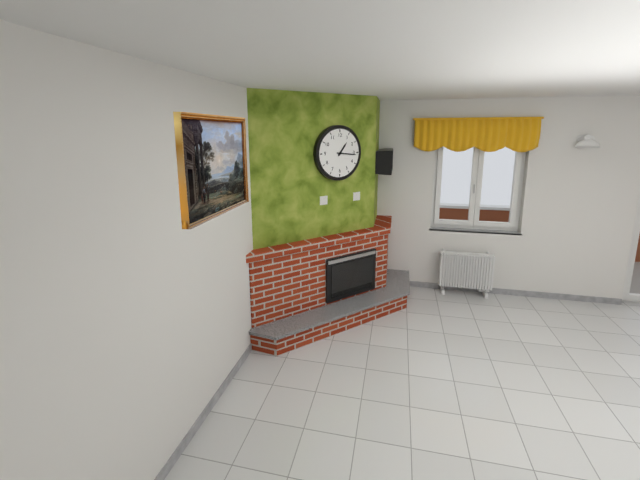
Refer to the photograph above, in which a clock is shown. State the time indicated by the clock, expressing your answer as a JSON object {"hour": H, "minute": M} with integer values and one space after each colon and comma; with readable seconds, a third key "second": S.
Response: {"hour": 1, "minute": 16}
